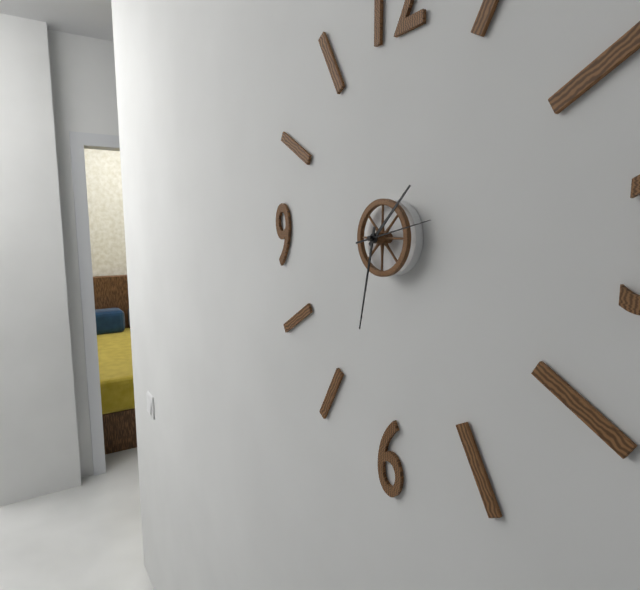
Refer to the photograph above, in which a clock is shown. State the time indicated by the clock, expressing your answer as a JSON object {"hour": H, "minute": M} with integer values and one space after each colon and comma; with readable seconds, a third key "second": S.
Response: {"hour": 1, "minute": 32, "second": 13}
